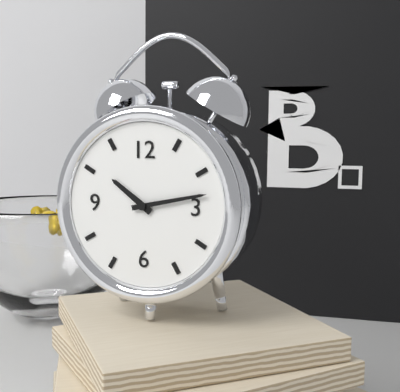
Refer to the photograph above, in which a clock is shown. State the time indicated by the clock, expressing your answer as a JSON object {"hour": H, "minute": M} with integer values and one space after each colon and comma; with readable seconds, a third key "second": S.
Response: {"hour": 10, "minute": 13}
